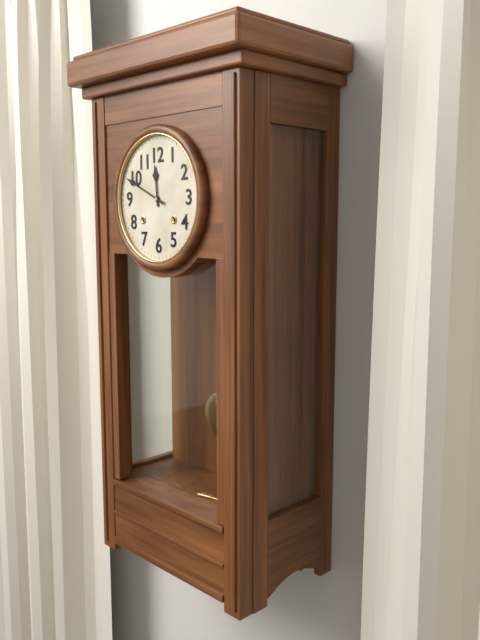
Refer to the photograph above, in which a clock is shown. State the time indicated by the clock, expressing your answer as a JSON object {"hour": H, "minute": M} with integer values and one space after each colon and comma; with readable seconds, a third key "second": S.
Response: {"hour": 11, "minute": 49}
